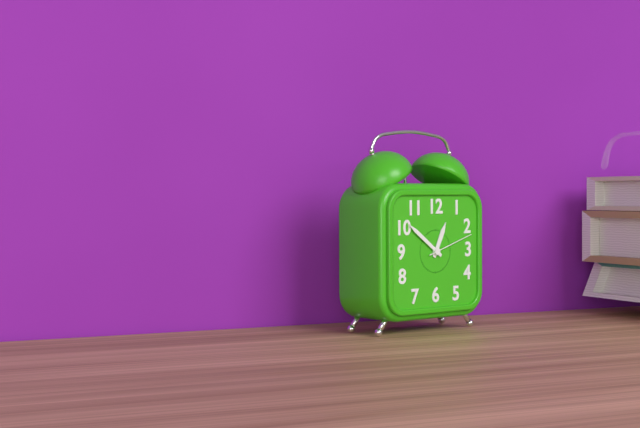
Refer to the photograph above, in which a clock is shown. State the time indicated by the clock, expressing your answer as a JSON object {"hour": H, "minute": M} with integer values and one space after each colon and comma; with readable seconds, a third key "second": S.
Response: {"hour": 12, "minute": 51, "second": 12}
